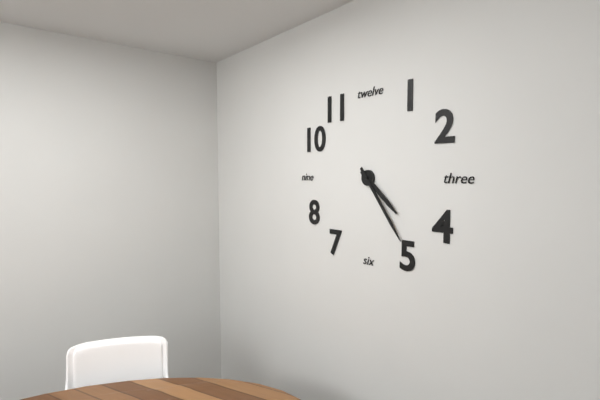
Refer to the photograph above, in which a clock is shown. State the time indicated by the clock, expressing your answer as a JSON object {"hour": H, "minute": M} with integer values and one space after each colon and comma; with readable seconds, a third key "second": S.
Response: {"hour": 4, "minute": 24}
